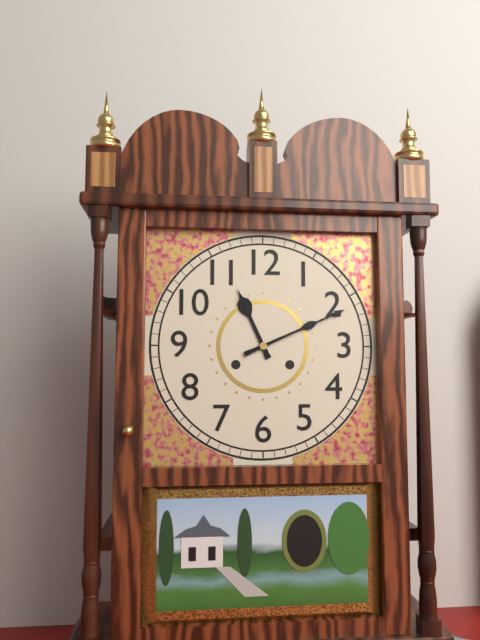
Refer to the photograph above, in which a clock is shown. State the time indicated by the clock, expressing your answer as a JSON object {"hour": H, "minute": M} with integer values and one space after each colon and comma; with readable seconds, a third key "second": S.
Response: {"hour": 11, "minute": 11}
